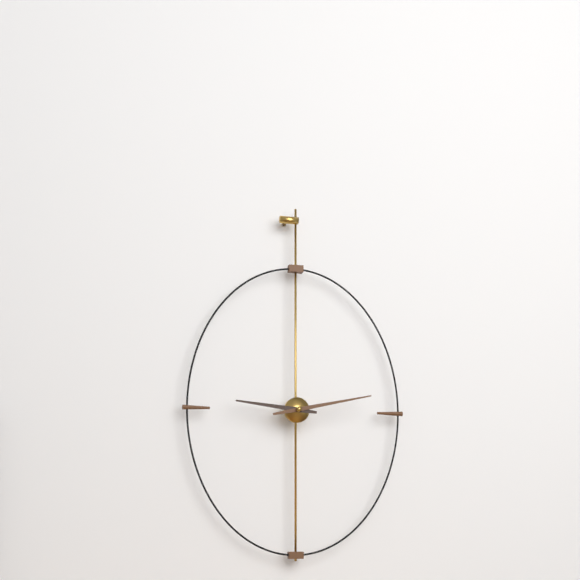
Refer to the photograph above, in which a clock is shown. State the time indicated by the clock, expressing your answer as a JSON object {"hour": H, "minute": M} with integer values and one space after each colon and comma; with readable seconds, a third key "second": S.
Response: {"hour": 9, "minute": 13}
